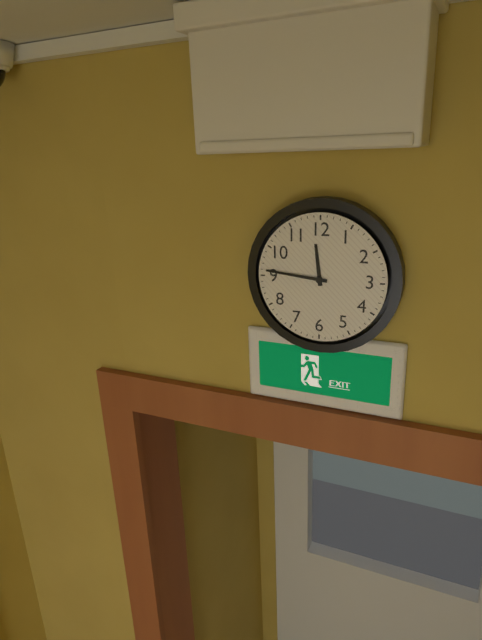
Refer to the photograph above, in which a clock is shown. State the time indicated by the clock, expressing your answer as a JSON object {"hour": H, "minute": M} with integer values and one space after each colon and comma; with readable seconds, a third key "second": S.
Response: {"hour": 11, "minute": 46}
